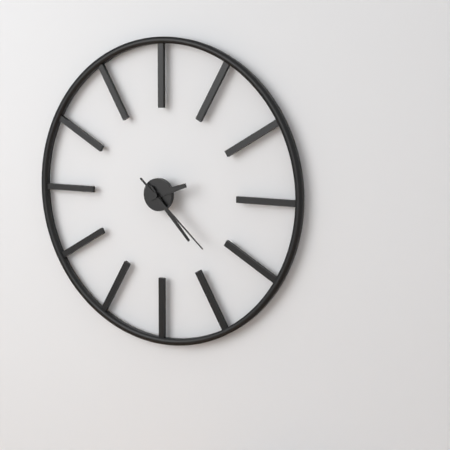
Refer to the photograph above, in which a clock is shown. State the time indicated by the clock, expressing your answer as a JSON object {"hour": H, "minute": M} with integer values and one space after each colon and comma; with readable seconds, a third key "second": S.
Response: {"hour": 2, "minute": 23, "second": 22}
